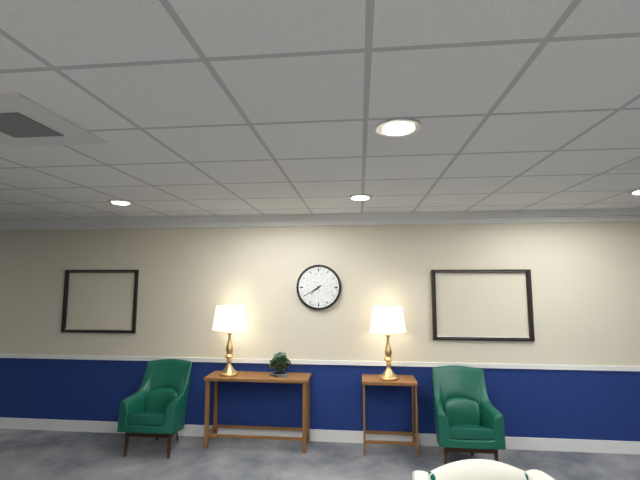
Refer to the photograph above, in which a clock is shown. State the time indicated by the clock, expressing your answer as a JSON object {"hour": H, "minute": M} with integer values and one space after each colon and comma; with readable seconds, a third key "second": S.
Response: {"hour": 7, "minute": 40}
